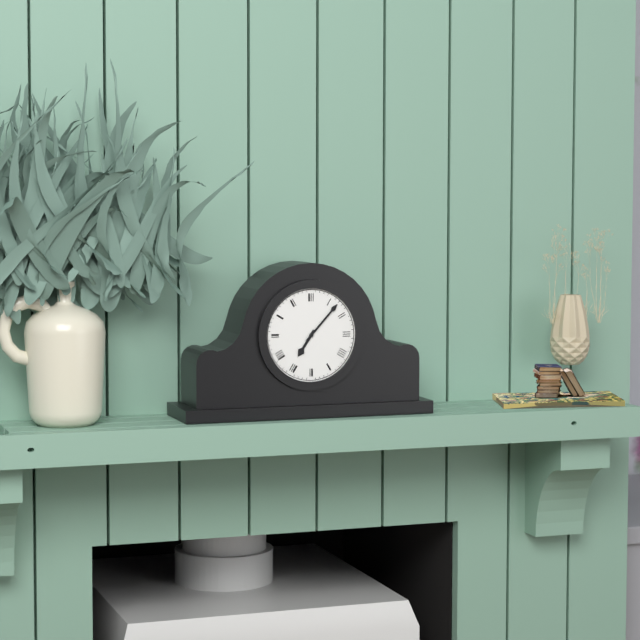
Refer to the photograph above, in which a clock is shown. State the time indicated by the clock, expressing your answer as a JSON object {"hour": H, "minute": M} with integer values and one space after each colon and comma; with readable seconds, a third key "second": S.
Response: {"hour": 7, "minute": 7}
